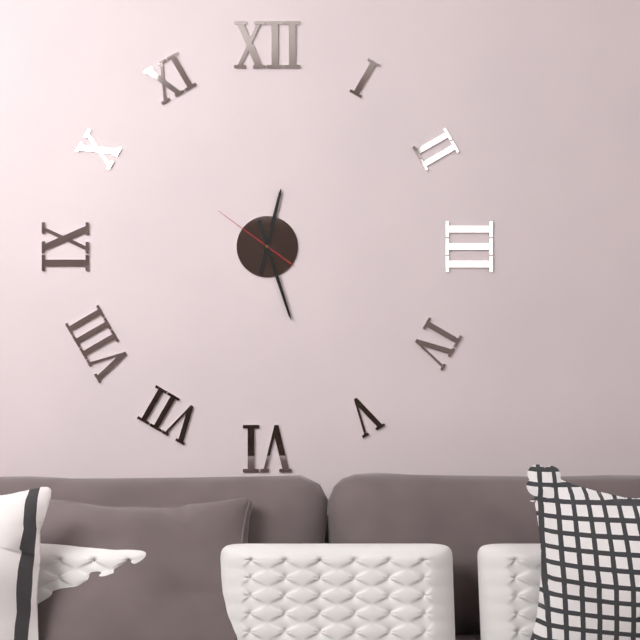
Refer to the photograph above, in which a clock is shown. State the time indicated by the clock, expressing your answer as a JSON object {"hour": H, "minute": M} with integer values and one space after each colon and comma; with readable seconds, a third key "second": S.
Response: {"hour": 12, "minute": 27, "second": 51}
